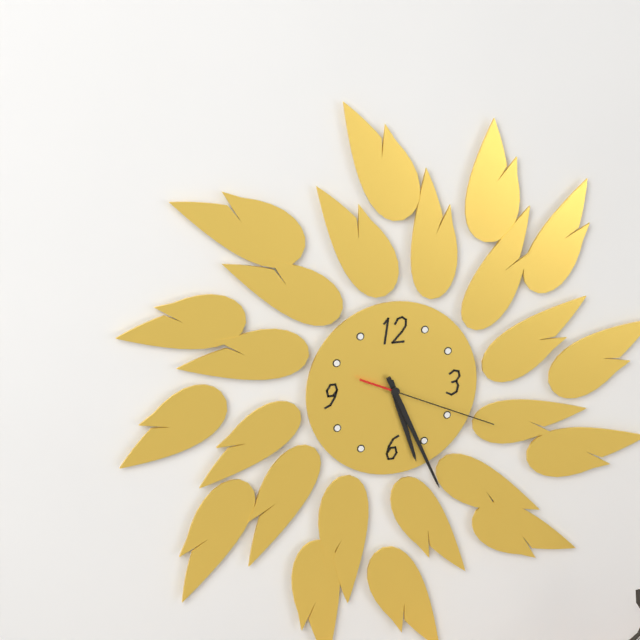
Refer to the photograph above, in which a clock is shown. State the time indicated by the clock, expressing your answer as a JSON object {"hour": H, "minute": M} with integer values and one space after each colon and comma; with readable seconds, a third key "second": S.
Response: {"hour": 5, "minute": 26, "second": 19}
